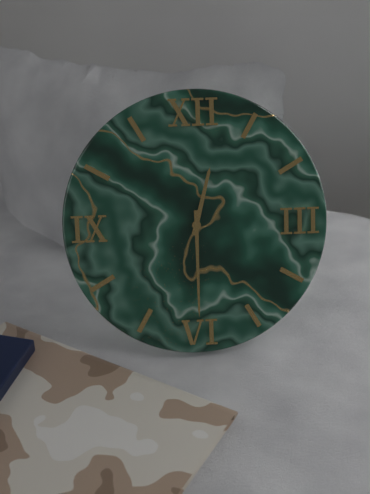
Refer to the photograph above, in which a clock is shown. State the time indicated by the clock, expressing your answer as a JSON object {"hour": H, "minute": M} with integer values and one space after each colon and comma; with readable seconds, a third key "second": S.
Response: {"hour": 12, "minute": 30}
